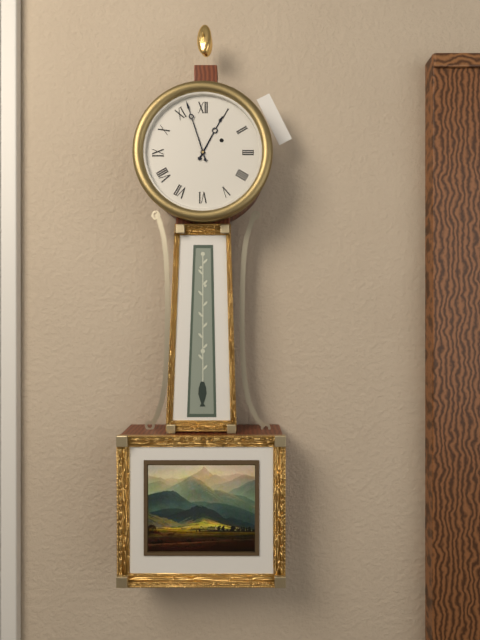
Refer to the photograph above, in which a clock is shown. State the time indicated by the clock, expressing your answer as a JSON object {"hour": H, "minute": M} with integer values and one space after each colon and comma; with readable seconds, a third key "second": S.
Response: {"hour": 12, "minute": 57}
